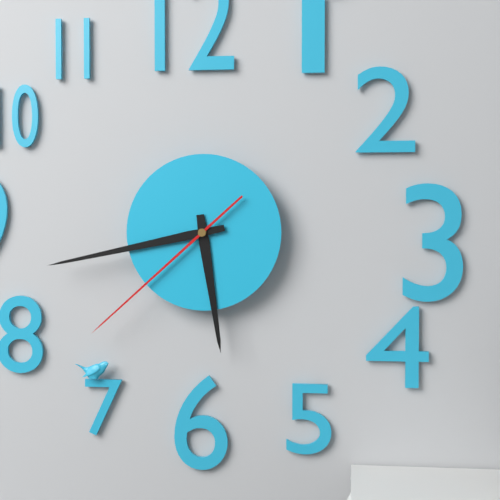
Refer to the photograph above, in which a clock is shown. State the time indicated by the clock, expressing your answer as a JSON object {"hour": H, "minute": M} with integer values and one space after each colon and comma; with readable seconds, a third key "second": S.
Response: {"hour": 5, "minute": 43, "second": 38}
